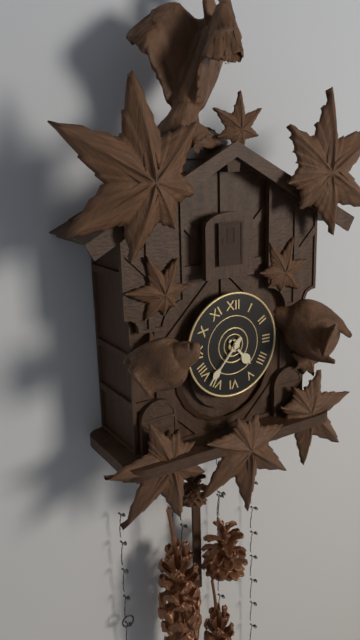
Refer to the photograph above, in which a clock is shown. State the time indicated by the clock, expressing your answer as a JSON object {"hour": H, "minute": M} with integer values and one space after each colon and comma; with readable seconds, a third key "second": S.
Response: {"hour": 4, "minute": 37}
